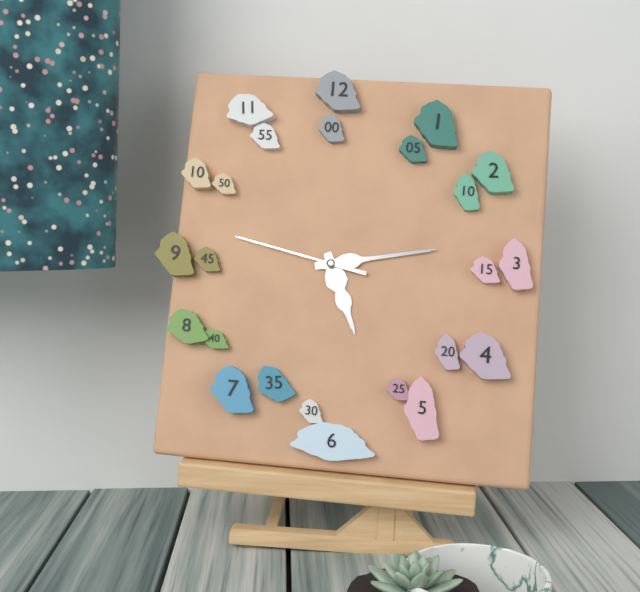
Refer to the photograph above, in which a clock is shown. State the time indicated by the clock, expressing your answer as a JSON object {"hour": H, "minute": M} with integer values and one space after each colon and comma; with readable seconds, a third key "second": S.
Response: {"hour": 5, "minute": 13, "second": 47}
